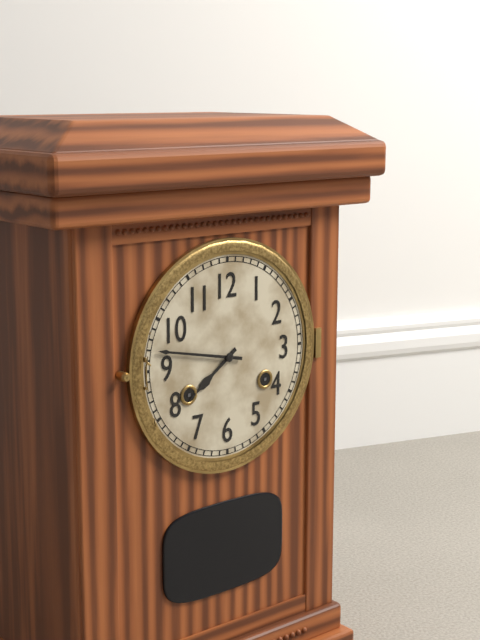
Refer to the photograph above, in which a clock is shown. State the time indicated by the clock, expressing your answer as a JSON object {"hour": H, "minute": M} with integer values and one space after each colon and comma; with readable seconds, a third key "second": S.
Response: {"hour": 7, "minute": 47}
